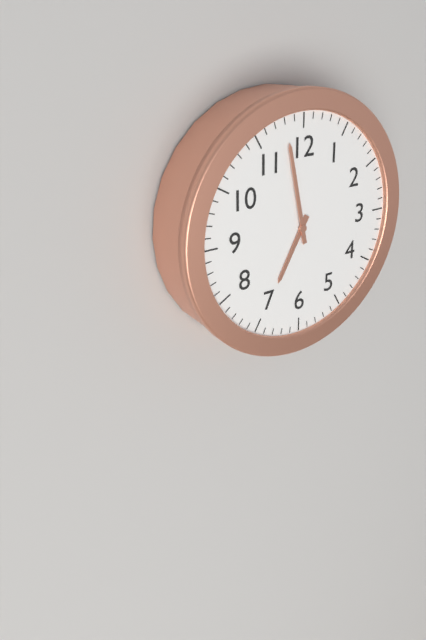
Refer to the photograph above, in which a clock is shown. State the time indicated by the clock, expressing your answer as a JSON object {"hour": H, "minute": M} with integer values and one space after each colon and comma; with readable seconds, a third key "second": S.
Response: {"hour": 6, "minute": 58}
